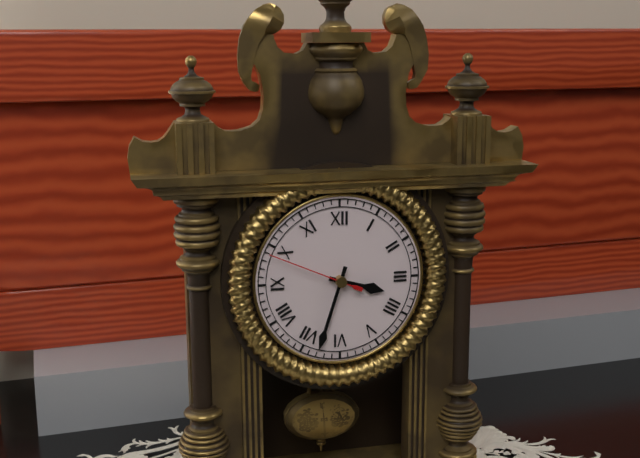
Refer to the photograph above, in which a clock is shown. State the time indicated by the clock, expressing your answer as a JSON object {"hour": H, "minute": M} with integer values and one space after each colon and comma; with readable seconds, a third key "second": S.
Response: {"hour": 3, "minute": 33, "second": 49}
